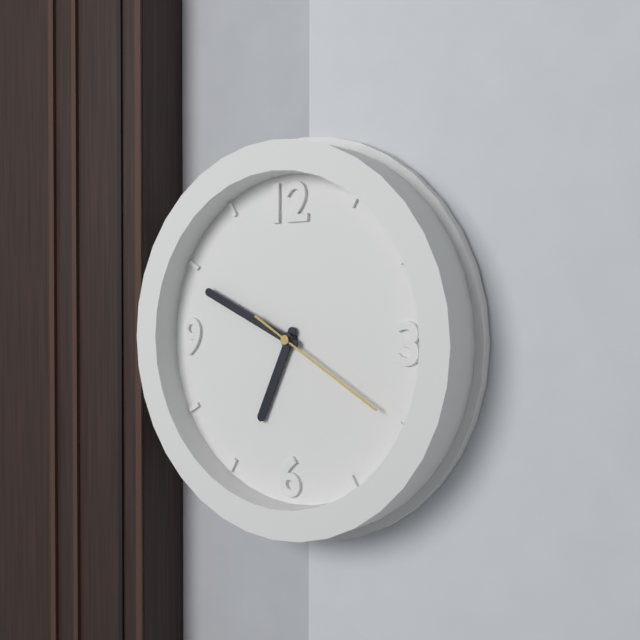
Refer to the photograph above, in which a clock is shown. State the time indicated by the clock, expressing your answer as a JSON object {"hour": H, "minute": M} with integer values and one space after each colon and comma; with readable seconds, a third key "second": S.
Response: {"hour": 6, "minute": 49, "second": 20}
